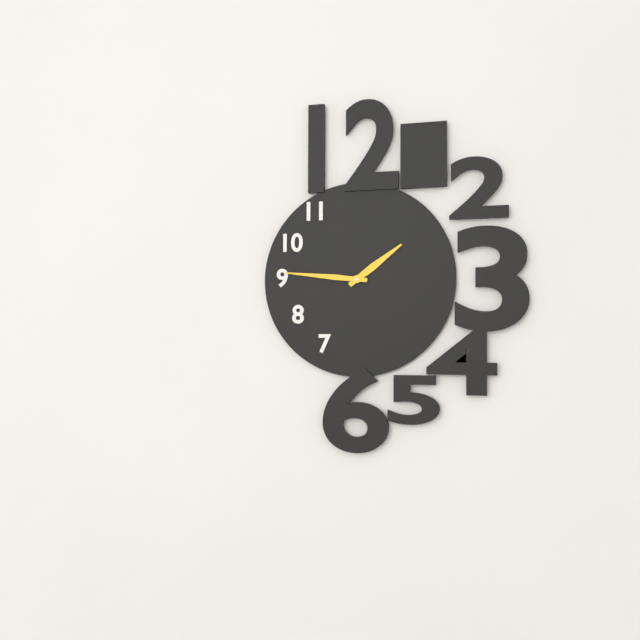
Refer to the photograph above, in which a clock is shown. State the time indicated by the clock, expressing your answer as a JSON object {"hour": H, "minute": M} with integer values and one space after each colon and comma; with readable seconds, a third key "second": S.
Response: {"hour": 1, "minute": 46}
